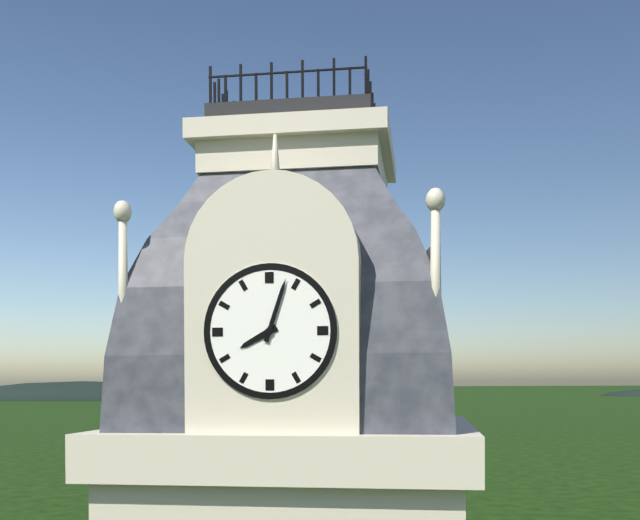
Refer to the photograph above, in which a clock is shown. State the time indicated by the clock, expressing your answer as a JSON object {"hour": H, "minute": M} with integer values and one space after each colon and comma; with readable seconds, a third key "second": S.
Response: {"hour": 8, "minute": 3}
